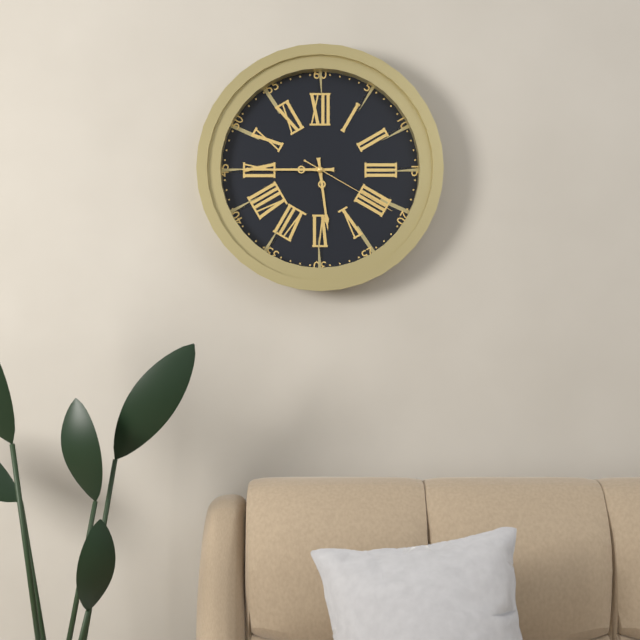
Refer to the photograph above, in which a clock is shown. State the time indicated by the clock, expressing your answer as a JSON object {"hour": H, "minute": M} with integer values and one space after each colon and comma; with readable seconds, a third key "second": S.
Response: {"hour": 5, "minute": 45, "second": 20}
